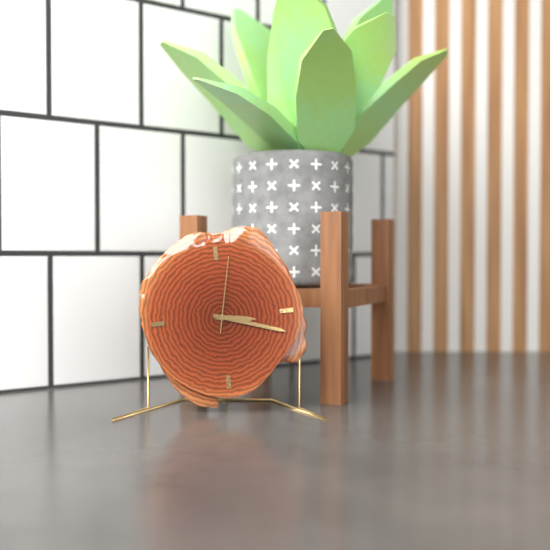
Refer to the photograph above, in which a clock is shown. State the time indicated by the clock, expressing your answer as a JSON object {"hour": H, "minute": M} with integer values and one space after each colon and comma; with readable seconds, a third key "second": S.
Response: {"hour": 3, "minute": 18, "second": 2}
